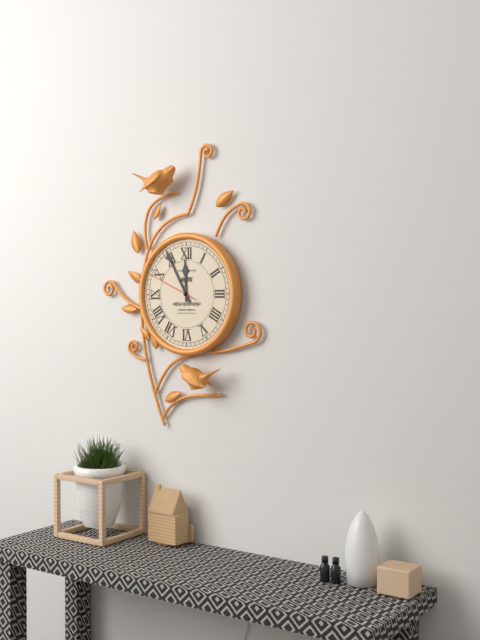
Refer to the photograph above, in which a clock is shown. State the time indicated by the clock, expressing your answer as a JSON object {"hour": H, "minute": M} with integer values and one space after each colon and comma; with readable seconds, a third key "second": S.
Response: {"hour": 11, "minute": 55, "second": 49}
